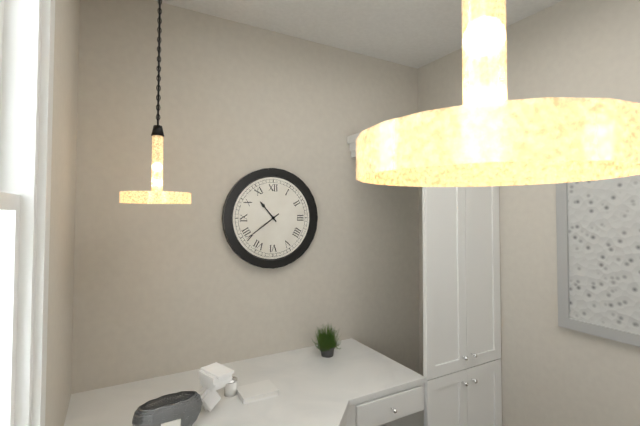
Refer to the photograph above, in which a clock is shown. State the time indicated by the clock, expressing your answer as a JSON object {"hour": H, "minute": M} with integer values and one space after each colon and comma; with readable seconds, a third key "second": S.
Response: {"hour": 10, "minute": 39}
